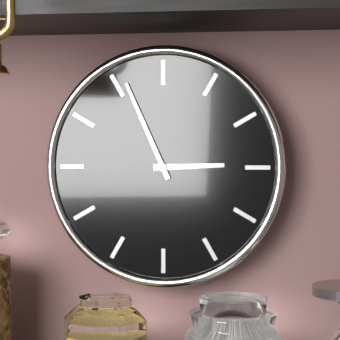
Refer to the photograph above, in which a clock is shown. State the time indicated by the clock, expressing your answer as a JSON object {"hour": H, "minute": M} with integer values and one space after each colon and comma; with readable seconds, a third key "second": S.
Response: {"hour": 2, "minute": 56}
